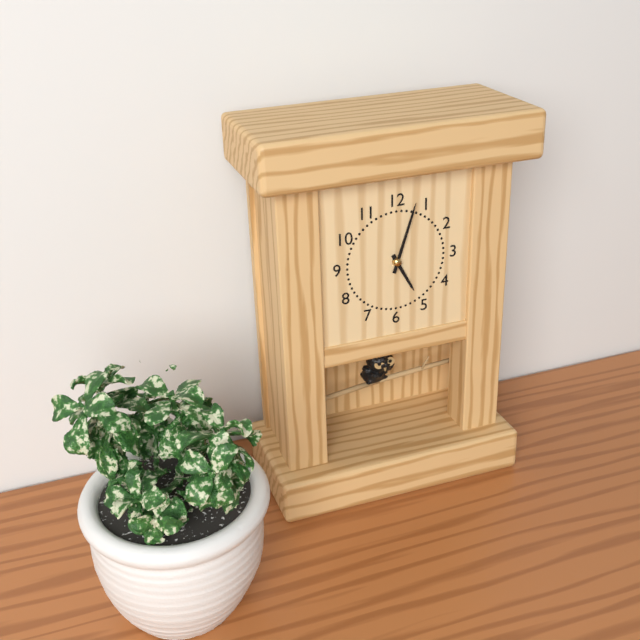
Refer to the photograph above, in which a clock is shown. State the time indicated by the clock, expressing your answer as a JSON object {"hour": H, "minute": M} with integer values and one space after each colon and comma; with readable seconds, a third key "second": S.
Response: {"hour": 5, "minute": 3}
